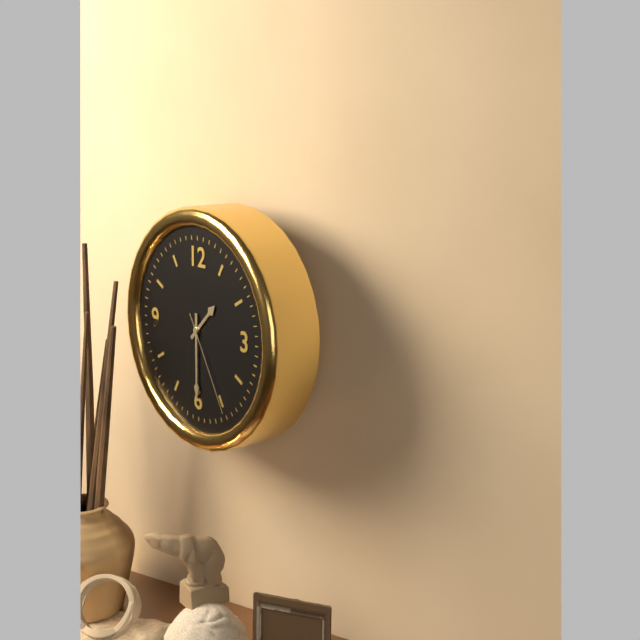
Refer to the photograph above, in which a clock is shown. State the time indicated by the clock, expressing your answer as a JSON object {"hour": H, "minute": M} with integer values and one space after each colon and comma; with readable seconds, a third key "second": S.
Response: {"hour": 1, "minute": 30, "second": 25}
